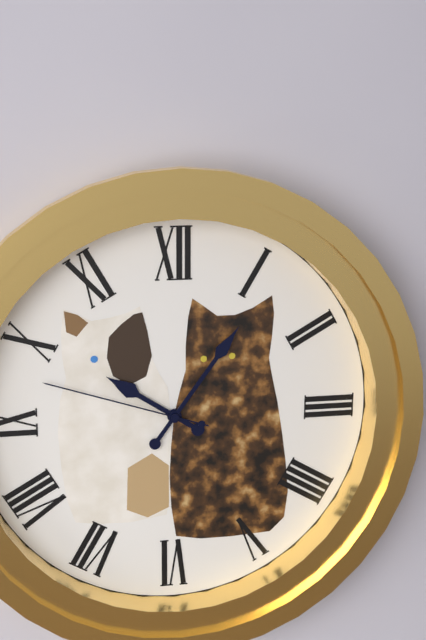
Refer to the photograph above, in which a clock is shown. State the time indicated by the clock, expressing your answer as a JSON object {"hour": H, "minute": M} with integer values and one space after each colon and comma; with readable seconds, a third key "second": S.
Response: {"hour": 10, "minute": 6, "second": 48}
